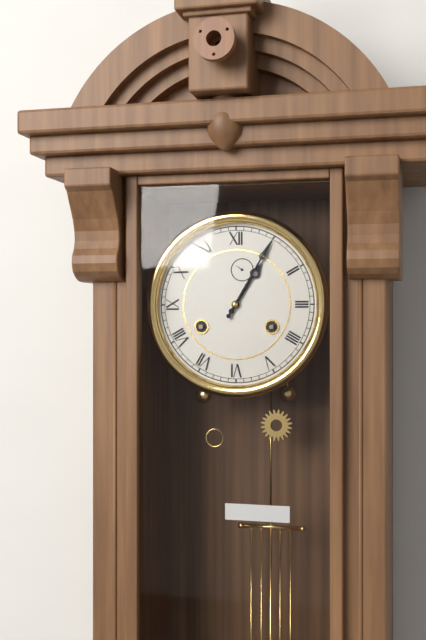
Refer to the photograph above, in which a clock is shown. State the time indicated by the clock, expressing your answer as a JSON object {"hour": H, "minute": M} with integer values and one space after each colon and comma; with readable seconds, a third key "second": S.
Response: {"hour": 1, "minute": 5}
